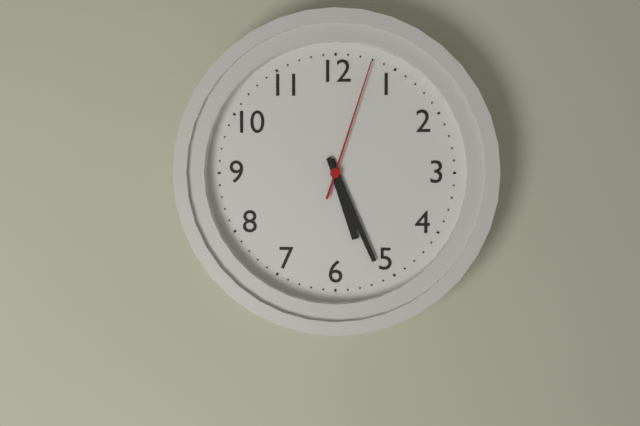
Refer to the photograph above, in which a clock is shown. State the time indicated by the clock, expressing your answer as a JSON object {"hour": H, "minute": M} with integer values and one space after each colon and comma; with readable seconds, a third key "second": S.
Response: {"hour": 5, "minute": 26, "second": 3}
